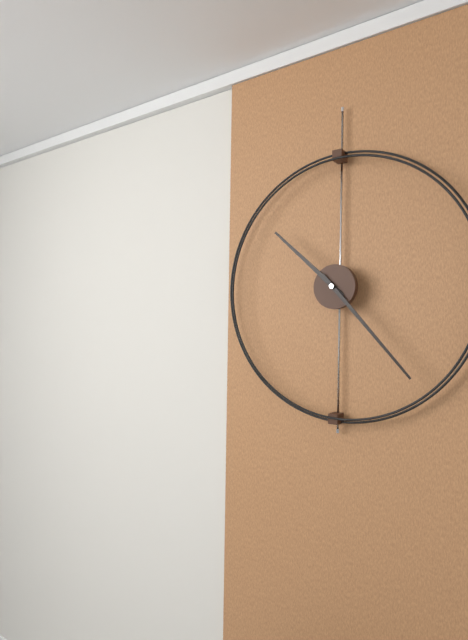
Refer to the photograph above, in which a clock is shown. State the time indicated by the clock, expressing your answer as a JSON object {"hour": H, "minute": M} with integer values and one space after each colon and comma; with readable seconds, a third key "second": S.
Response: {"hour": 10, "minute": 23}
